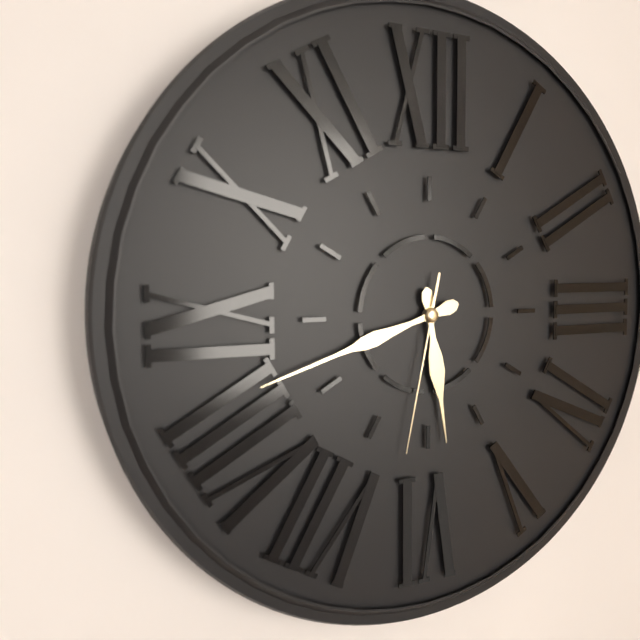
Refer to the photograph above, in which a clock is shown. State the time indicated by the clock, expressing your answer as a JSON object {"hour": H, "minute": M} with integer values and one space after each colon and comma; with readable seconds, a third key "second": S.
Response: {"hour": 5, "minute": 42, "second": 32}
